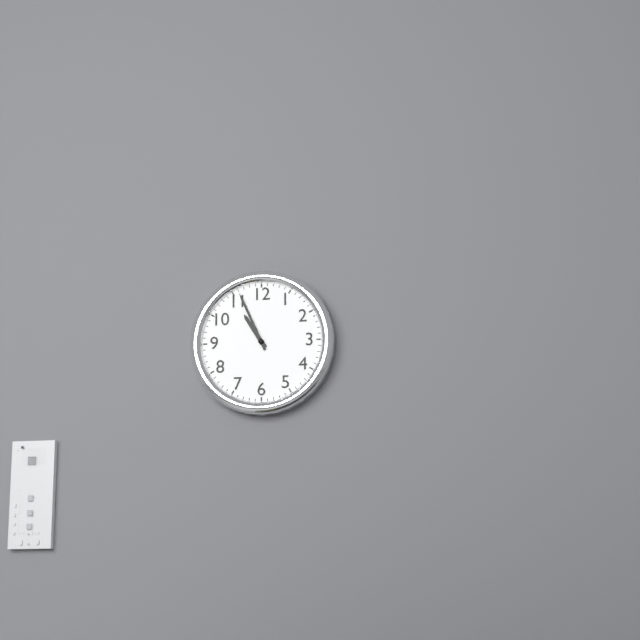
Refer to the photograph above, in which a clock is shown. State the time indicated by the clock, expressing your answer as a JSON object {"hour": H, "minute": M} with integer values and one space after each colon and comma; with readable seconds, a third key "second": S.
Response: {"hour": 10, "minute": 56}
